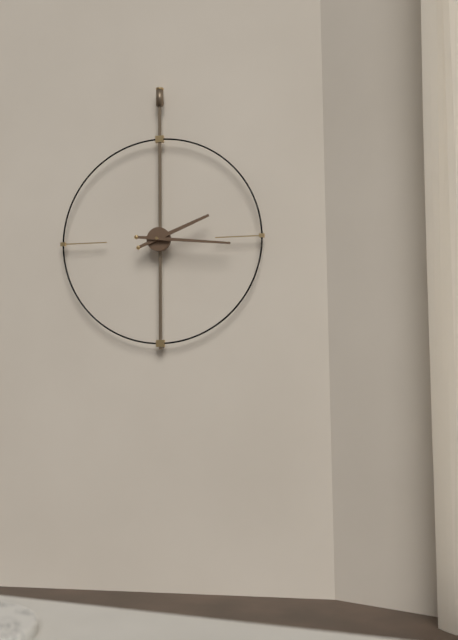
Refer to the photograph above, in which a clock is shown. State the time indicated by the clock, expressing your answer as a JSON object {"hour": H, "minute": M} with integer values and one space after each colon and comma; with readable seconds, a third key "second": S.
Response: {"hour": 2, "minute": 16}
